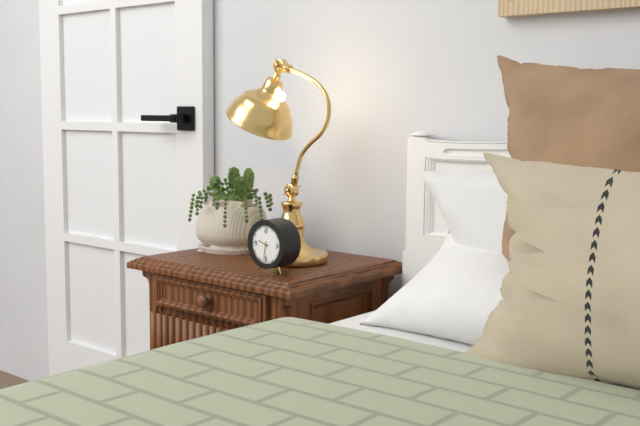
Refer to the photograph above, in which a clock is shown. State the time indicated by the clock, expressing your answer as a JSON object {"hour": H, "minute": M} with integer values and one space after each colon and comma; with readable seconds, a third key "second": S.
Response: {"hour": 9, "minute": 32}
